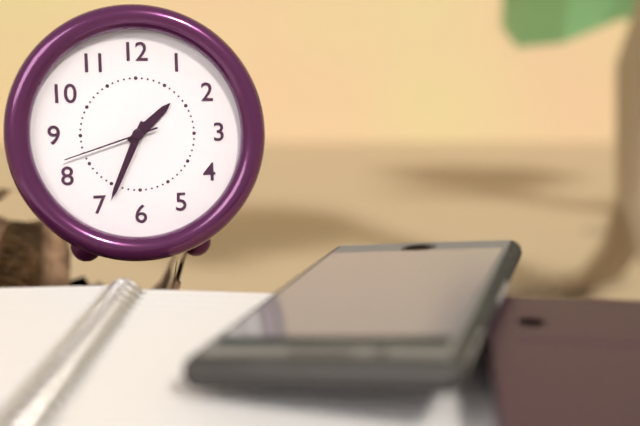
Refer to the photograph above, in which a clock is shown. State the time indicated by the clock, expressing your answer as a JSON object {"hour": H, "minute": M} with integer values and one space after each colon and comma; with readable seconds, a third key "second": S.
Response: {"hour": 1, "minute": 34, "second": 42}
